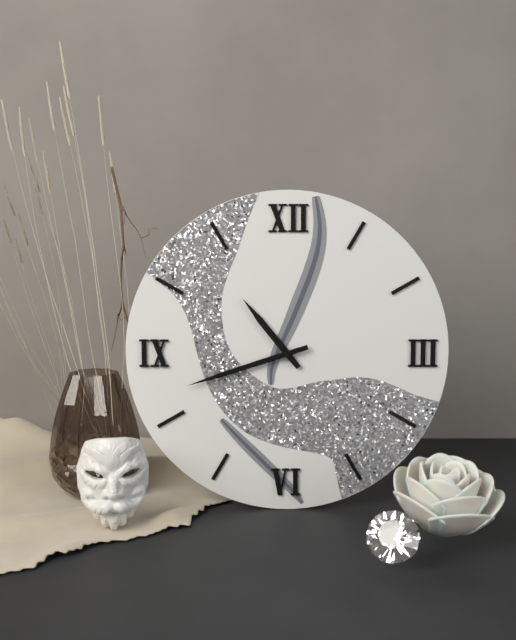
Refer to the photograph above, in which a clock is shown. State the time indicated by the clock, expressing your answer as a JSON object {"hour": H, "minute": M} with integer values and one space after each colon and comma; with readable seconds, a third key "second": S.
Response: {"hour": 10, "minute": 42}
